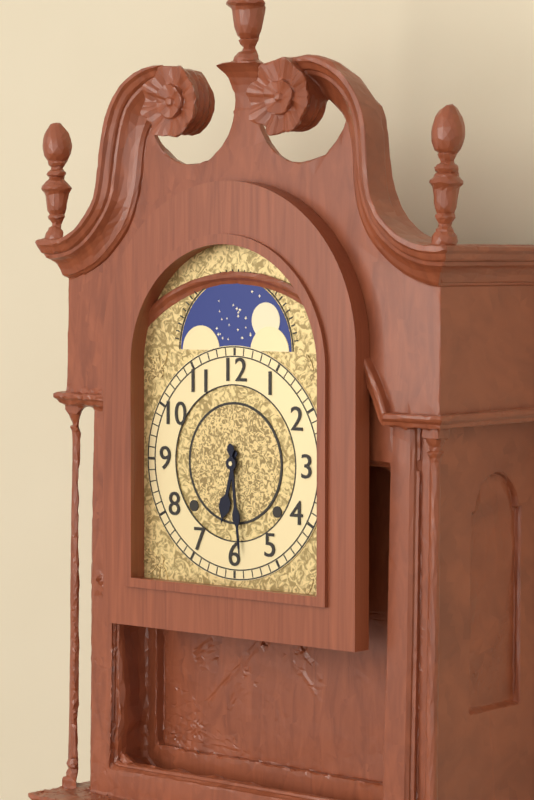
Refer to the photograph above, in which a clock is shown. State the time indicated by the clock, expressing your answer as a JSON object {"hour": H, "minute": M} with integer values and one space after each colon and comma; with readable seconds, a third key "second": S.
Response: {"hour": 6, "minute": 29}
